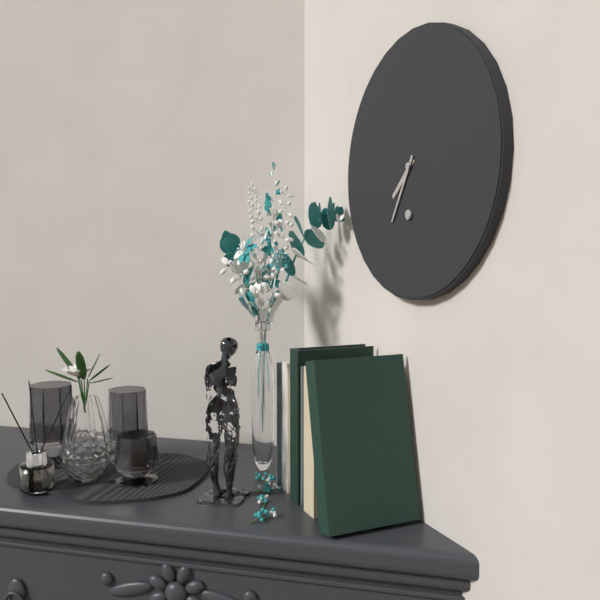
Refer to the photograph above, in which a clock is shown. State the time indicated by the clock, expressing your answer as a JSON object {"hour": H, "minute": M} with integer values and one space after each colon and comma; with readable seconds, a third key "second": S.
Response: {"hour": 7, "minute": 35}
